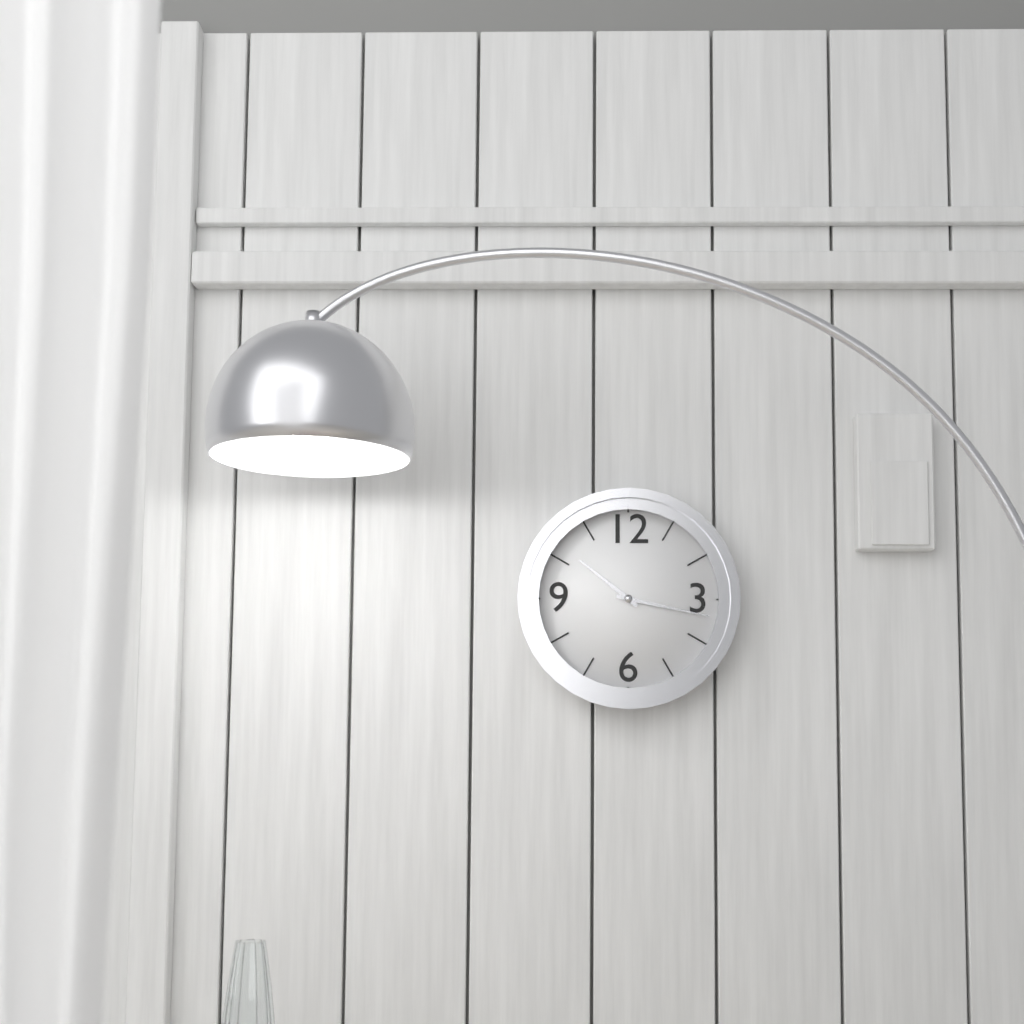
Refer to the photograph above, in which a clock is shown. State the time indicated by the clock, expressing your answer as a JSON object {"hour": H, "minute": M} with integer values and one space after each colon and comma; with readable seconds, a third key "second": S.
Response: {"hour": 10, "minute": 17}
